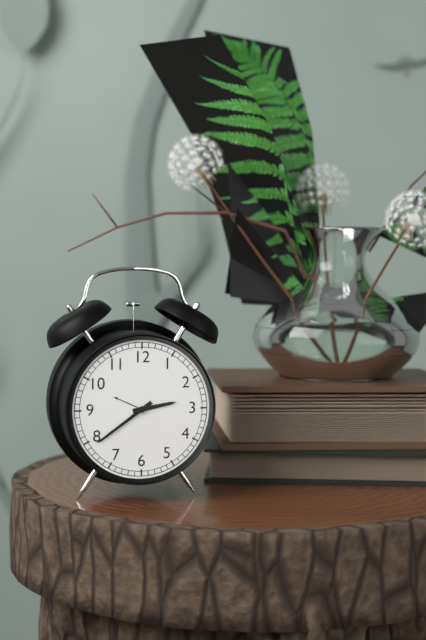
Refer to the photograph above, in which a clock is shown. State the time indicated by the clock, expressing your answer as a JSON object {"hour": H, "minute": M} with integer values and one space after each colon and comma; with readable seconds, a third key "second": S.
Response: {"hour": 2, "minute": 39}
